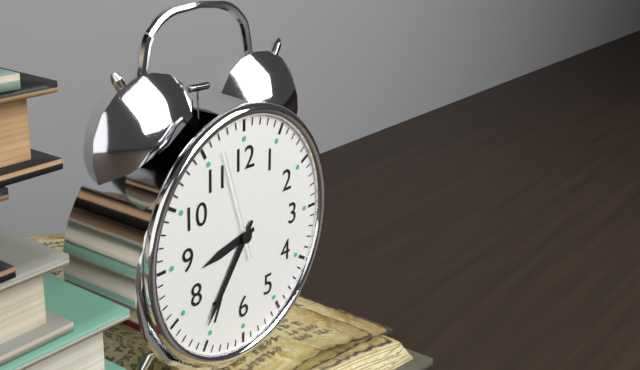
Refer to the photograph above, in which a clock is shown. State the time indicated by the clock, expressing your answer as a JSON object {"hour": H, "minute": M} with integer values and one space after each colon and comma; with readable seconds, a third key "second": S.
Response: {"hour": 8, "minute": 36, "second": 57}
